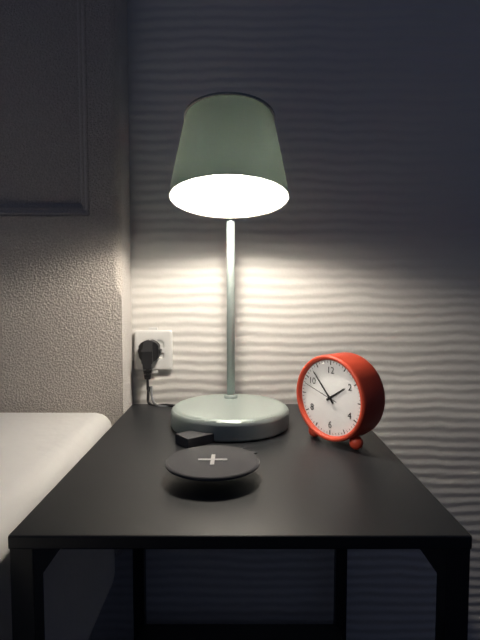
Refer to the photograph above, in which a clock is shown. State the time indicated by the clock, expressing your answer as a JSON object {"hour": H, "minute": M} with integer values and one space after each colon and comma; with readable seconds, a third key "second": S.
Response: {"hour": 1, "minute": 53}
